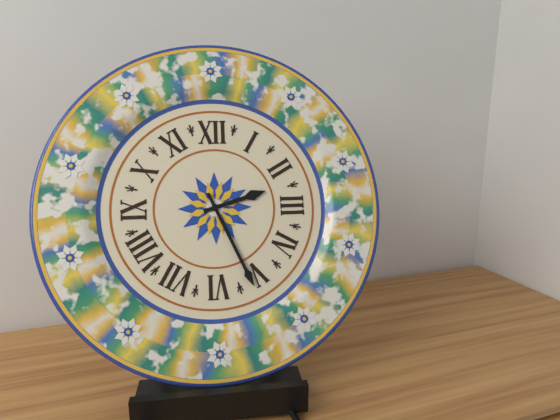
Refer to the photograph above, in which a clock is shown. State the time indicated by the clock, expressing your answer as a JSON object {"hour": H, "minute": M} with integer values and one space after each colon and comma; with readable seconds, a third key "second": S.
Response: {"hour": 2, "minute": 26}
